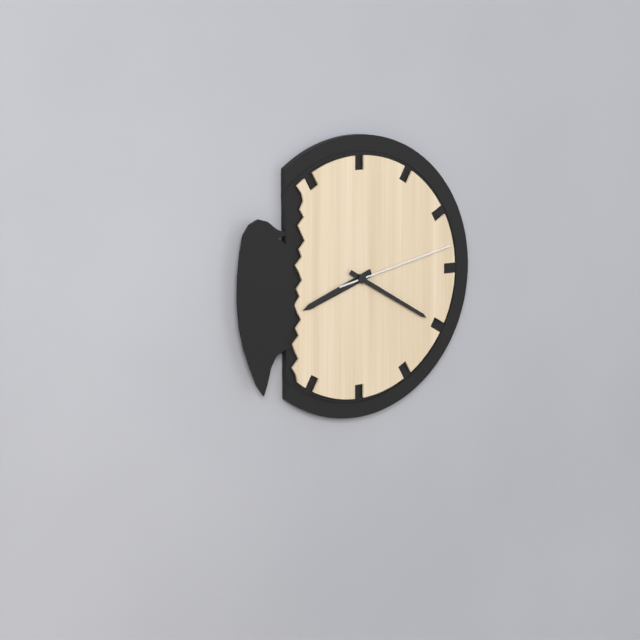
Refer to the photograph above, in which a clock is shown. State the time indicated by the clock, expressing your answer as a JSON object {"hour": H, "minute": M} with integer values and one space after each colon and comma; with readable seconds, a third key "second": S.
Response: {"hour": 8, "minute": 20, "second": 13}
